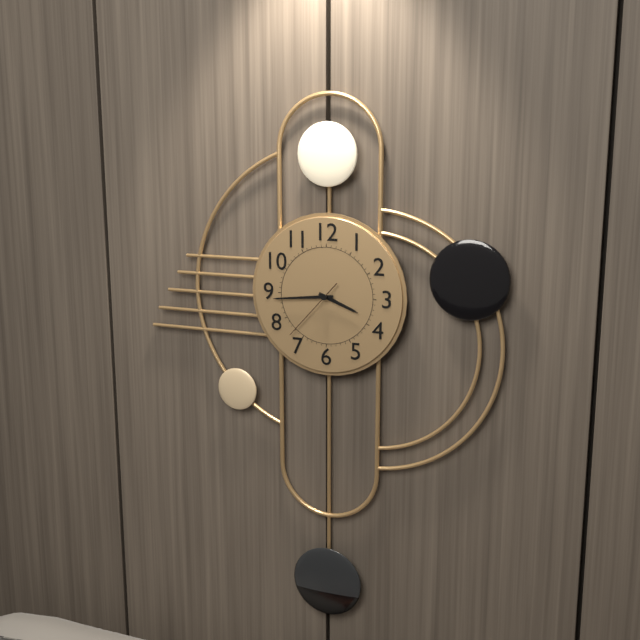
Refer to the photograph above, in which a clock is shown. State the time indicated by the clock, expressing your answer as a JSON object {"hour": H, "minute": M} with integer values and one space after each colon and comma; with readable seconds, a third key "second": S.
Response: {"hour": 3, "minute": 44, "second": 37}
